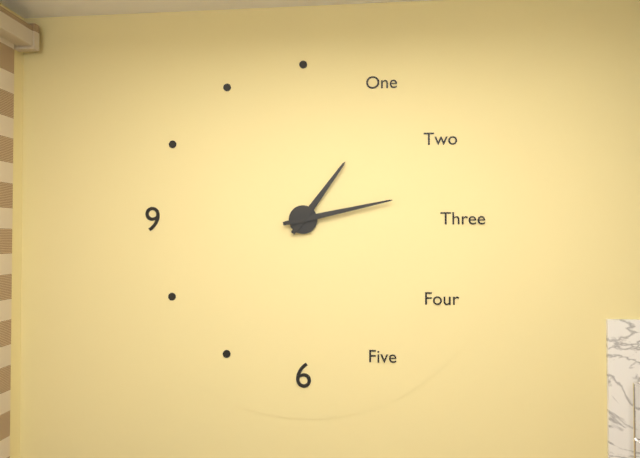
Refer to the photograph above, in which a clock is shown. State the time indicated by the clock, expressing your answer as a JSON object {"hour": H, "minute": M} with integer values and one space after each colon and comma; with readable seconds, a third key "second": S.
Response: {"hour": 1, "minute": 13}
